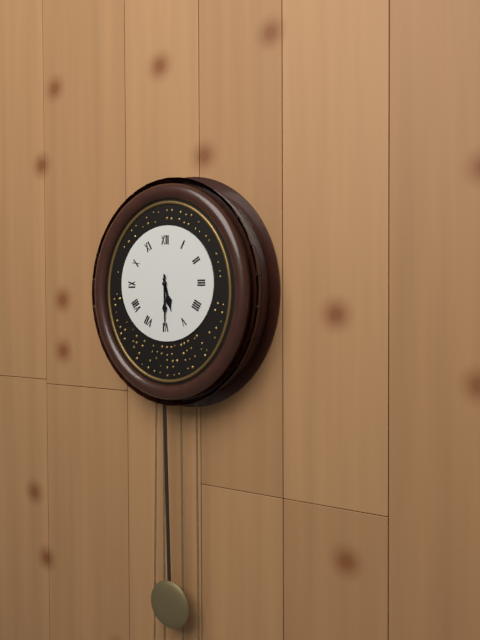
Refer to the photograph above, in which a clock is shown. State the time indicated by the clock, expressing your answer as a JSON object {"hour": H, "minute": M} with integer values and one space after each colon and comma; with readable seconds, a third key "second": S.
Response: {"hour": 5, "minute": 30}
